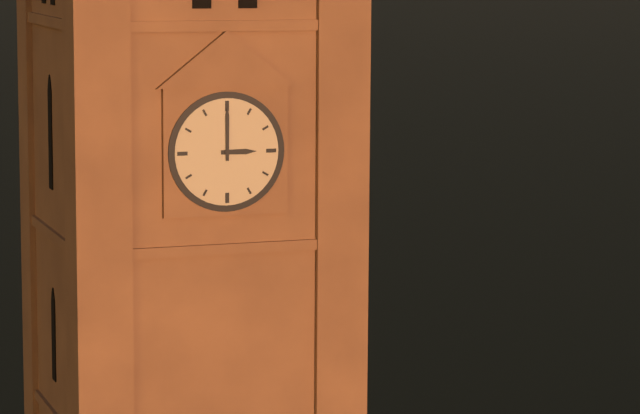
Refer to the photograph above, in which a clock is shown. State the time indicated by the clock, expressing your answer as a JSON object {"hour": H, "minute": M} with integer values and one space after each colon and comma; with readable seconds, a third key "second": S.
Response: {"hour": 3, "minute": 0}
